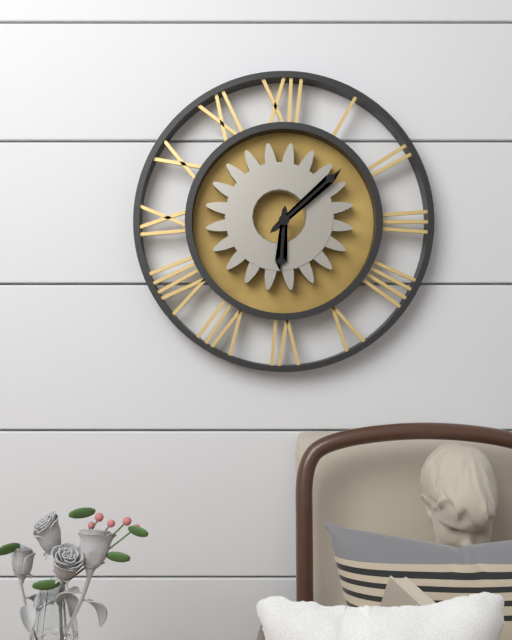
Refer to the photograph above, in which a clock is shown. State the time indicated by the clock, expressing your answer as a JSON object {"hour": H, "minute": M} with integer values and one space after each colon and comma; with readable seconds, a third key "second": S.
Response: {"hour": 6, "minute": 8}
